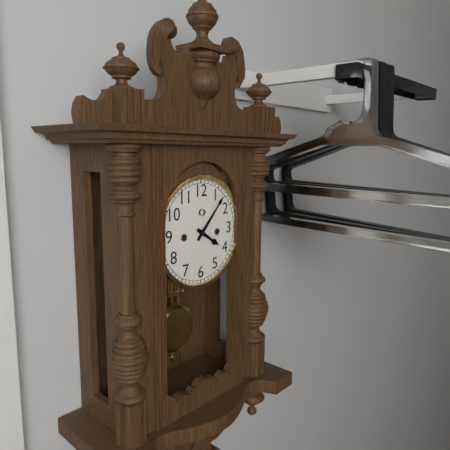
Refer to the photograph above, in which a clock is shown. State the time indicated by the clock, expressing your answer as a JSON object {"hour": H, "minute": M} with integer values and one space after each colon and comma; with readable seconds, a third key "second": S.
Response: {"hour": 4, "minute": 7}
